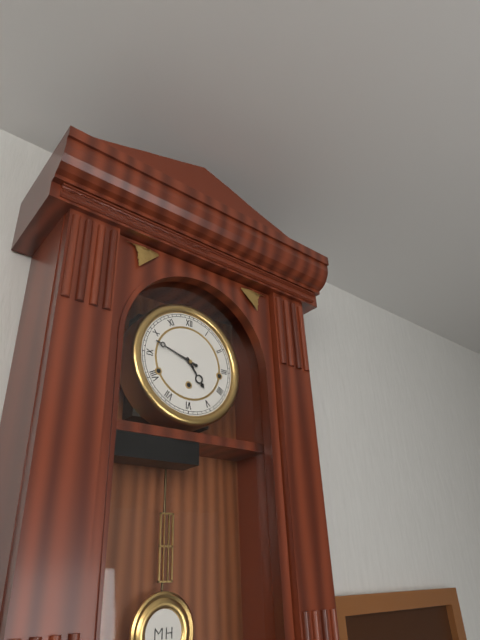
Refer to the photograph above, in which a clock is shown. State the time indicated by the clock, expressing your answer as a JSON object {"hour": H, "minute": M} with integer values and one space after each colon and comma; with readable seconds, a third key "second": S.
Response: {"hour": 4, "minute": 48}
